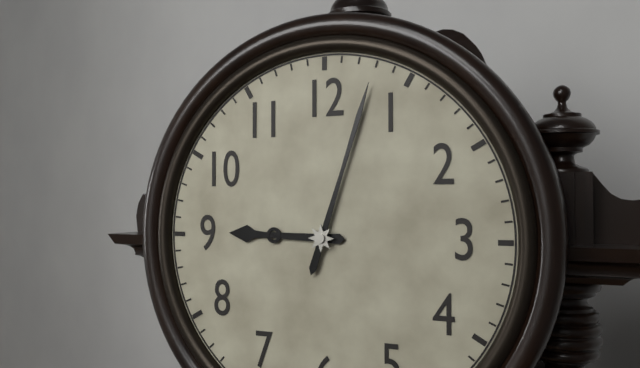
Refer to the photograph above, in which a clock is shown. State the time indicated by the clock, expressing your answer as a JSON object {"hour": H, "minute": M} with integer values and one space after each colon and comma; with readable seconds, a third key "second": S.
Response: {"hour": 9, "minute": 3}
